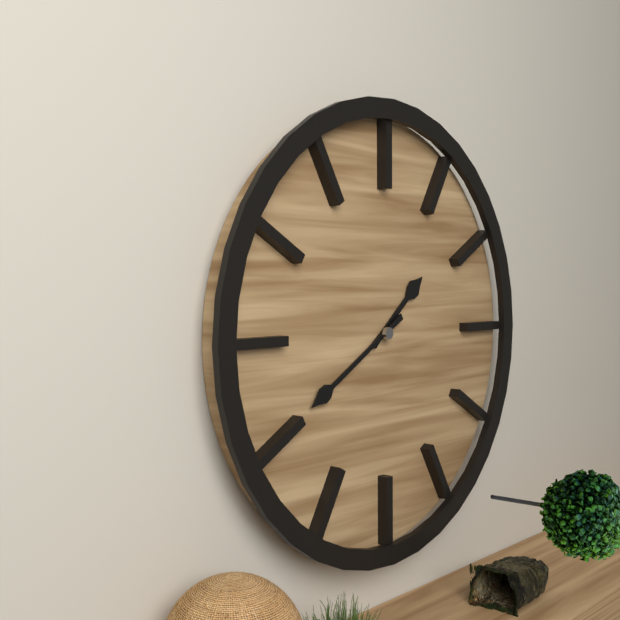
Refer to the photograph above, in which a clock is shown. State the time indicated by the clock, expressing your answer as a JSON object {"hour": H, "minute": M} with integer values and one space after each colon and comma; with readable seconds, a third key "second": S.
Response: {"hour": 1, "minute": 40}
